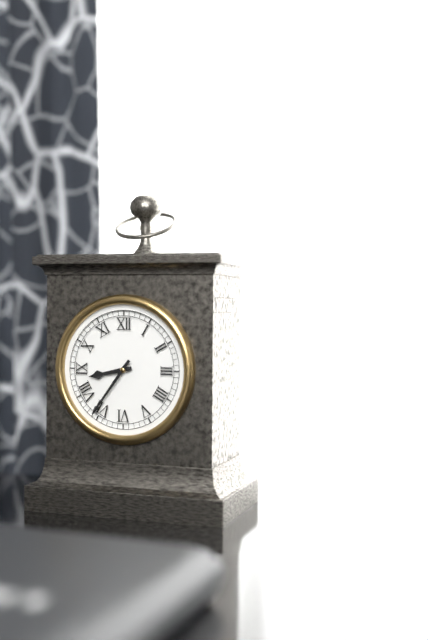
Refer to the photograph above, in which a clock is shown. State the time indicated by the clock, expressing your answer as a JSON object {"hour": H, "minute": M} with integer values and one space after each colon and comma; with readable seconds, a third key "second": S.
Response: {"hour": 8, "minute": 36}
